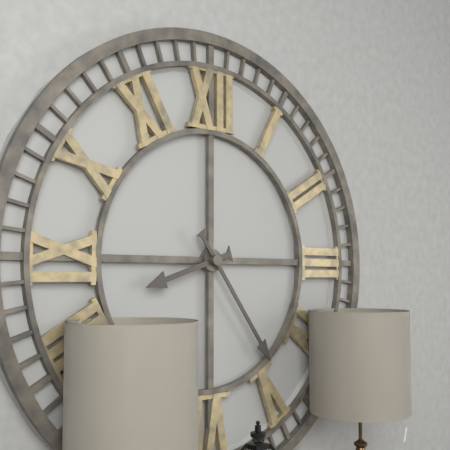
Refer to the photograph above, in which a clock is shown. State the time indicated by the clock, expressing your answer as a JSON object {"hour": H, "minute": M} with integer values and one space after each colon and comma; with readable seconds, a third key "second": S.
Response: {"hour": 8, "minute": 24}
